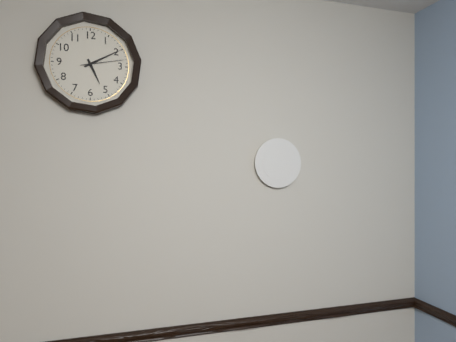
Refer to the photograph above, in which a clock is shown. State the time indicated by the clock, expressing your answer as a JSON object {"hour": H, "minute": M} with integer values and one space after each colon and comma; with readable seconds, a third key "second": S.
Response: {"hour": 5, "minute": 10}
